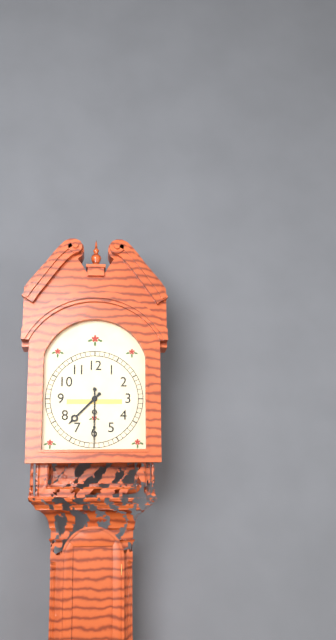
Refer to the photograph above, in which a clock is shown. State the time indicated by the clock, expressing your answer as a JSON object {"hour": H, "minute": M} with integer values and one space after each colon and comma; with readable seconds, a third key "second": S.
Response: {"hour": 7, "minute": 30}
